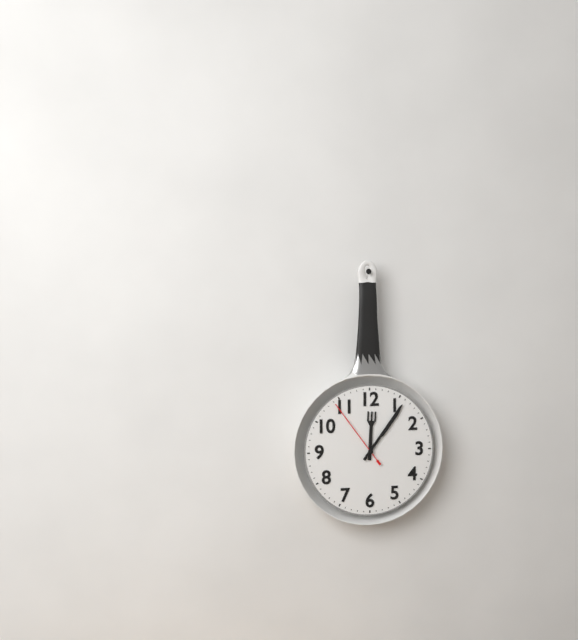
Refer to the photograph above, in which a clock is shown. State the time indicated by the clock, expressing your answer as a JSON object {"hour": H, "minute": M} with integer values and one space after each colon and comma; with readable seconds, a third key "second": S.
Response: {"hour": 12, "minute": 6, "second": 54}
